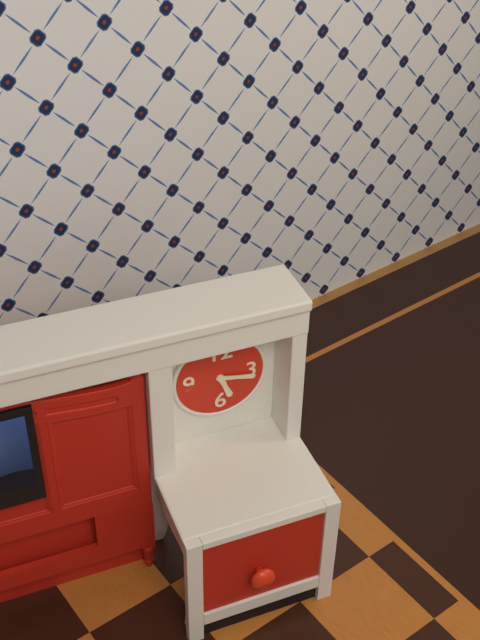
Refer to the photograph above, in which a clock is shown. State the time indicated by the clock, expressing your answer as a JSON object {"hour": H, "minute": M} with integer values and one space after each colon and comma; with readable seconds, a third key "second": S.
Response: {"hour": 5, "minute": 17}
